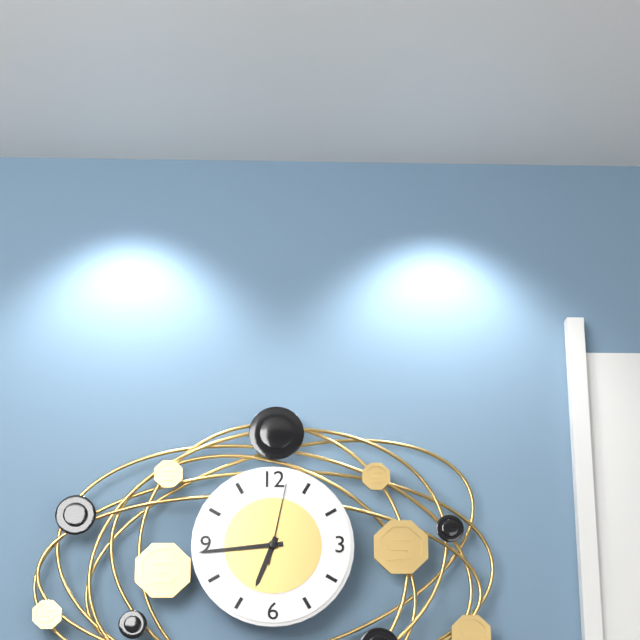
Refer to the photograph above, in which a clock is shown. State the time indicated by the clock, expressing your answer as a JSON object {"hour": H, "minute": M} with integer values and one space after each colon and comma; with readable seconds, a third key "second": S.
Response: {"hour": 6, "minute": 44, "second": 2}
